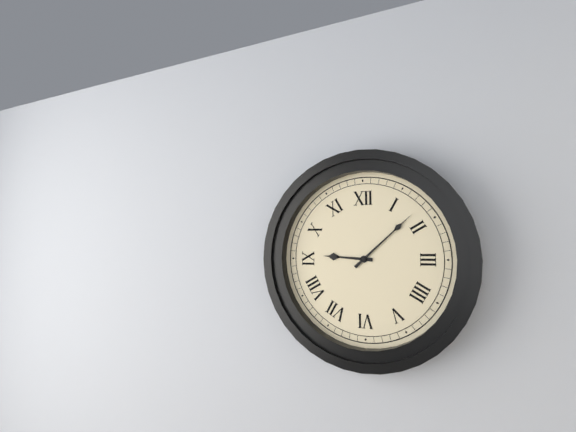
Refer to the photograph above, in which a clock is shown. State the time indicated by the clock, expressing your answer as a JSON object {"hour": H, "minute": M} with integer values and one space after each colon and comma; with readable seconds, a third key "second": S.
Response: {"hour": 9, "minute": 8}
